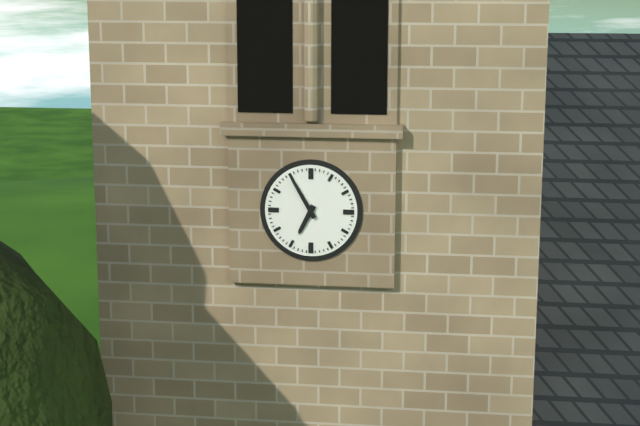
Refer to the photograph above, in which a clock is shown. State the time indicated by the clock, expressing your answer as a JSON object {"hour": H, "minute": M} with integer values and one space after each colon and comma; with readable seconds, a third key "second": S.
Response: {"hour": 6, "minute": 55}
